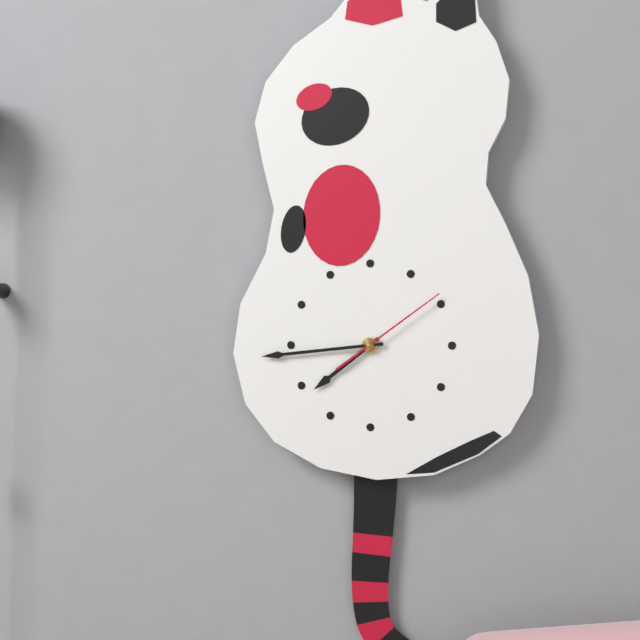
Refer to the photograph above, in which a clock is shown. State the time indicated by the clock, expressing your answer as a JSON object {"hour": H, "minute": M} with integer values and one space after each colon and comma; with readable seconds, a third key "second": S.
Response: {"hour": 7, "minute": 44, "second": 9}
